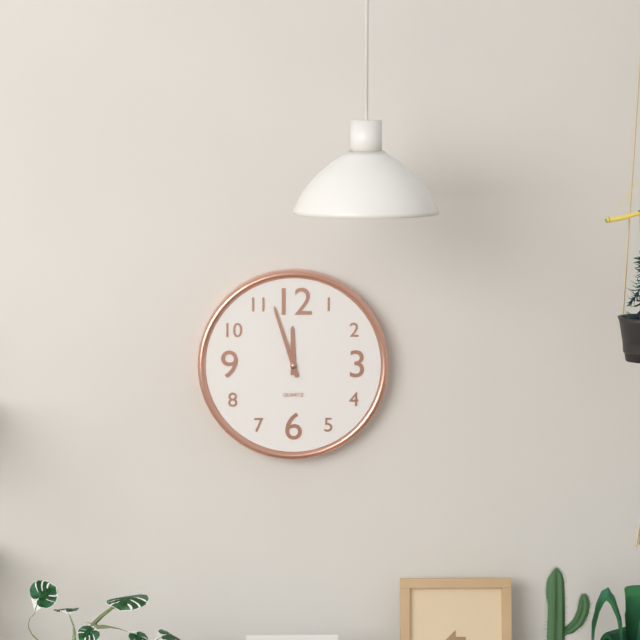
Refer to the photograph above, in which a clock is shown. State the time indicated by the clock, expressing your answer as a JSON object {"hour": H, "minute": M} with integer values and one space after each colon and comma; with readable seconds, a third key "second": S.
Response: {"hour": 11, "minute": 57}
